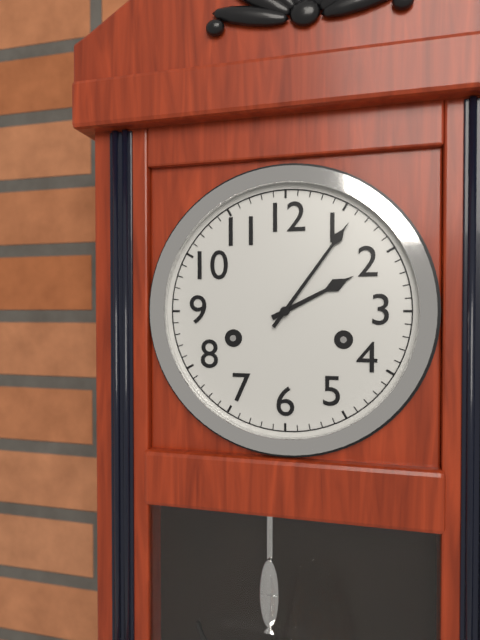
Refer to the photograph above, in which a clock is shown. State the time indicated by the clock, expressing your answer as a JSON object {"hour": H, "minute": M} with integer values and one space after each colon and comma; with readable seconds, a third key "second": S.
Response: {"hour": 2, "minute": 6}
